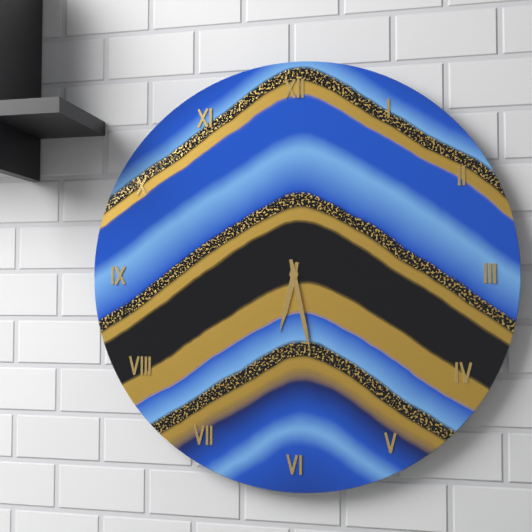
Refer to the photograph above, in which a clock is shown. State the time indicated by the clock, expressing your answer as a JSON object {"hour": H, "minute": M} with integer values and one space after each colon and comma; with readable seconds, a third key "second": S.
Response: {"hour": 6, "minute": 28}
